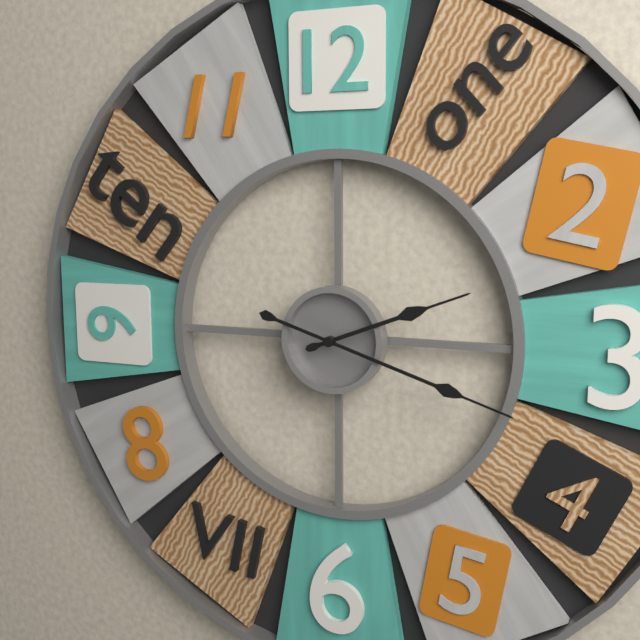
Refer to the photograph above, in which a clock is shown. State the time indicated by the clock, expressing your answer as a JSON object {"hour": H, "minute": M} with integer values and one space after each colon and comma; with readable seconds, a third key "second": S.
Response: {"hour": 2, "minute": 18}
